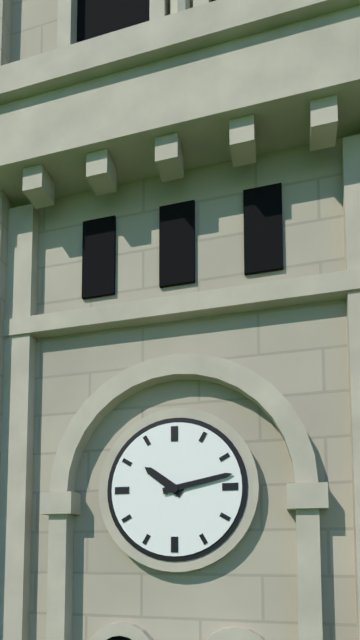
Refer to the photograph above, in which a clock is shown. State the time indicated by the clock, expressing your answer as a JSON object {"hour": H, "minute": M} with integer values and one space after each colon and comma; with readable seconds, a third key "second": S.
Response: {"hour": 10, "minute": 13}
